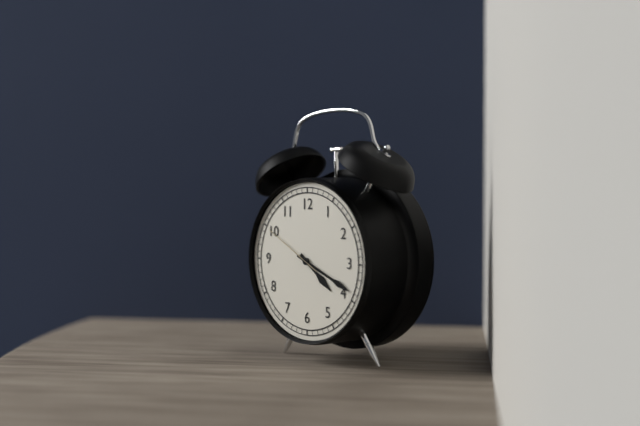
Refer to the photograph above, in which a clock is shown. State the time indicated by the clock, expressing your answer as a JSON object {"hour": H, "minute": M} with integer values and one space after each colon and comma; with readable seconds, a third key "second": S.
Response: {"hour": 4, "minute": 19, "second": 50}
